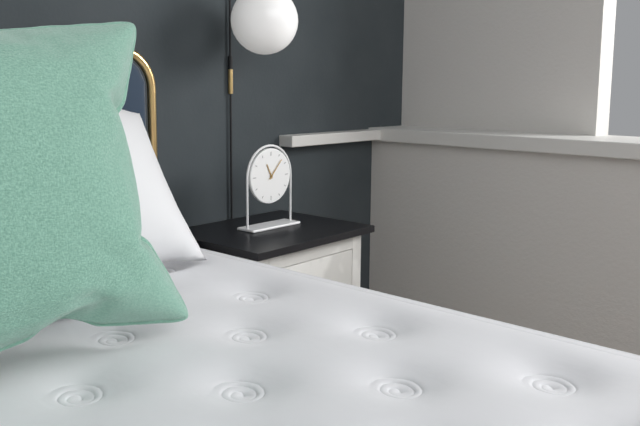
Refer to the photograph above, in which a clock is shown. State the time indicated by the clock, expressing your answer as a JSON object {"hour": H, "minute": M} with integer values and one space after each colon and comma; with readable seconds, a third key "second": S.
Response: {"hour": 11, "minute": 7}
